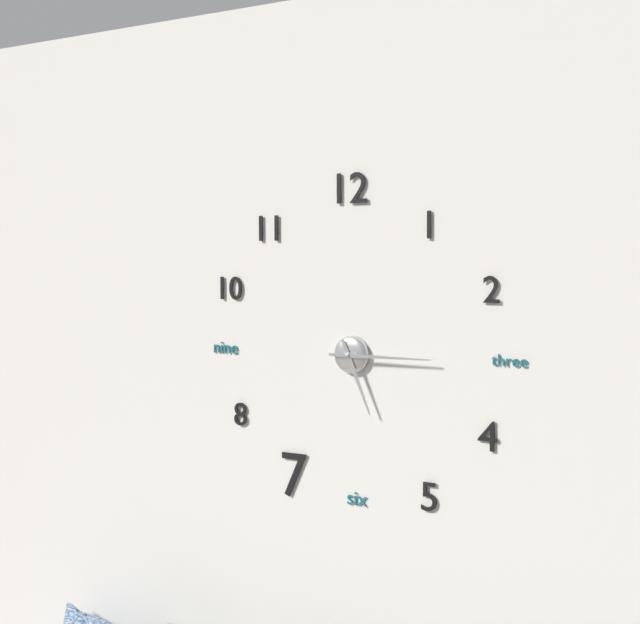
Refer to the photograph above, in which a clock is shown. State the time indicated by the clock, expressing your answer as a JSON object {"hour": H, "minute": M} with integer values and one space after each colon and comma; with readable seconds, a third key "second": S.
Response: {"hour": 5, "minute": 15}
